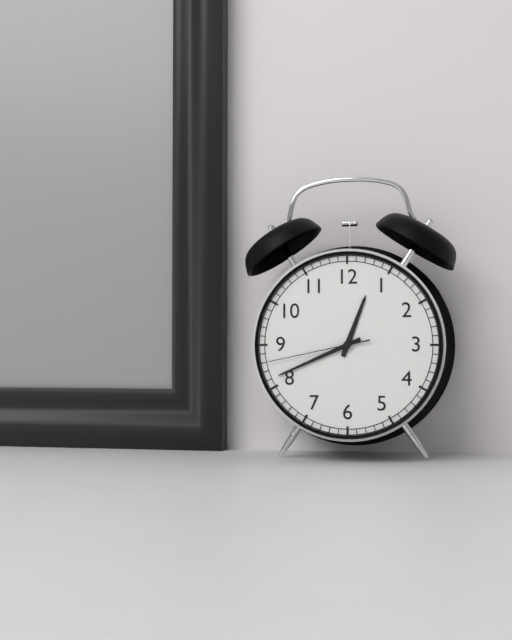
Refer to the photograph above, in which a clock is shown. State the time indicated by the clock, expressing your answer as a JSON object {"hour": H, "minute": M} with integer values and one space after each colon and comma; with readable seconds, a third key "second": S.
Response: {"hour": 12, "minute": 41, "second": 43}
